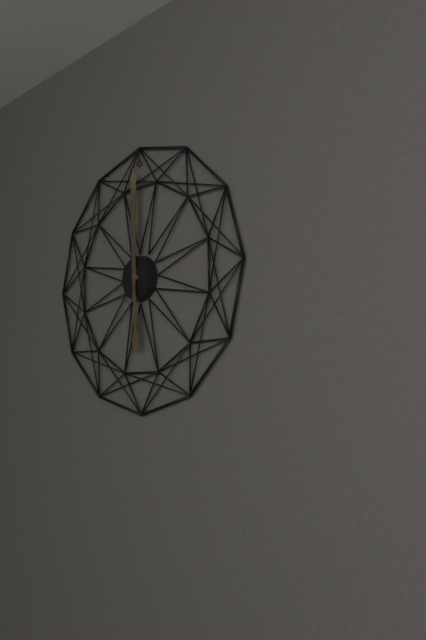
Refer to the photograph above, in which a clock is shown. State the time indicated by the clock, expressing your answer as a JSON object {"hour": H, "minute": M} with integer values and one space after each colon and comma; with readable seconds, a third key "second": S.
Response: {"hour": 6, "minute": 0}
